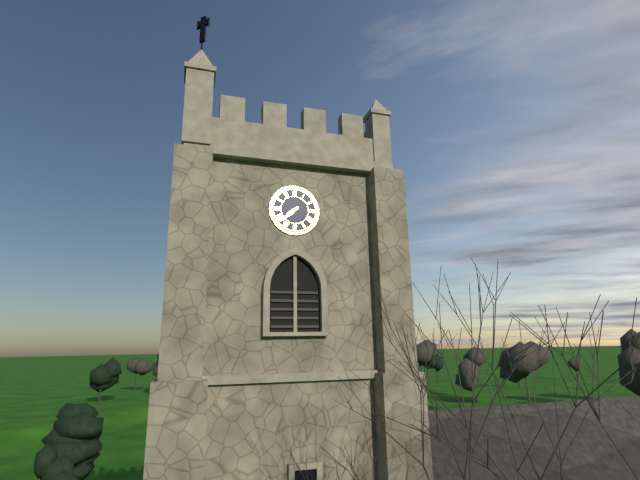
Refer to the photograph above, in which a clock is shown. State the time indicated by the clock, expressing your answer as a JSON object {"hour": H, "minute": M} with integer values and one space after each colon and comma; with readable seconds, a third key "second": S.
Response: {"hour": 7, "minute": 38}
